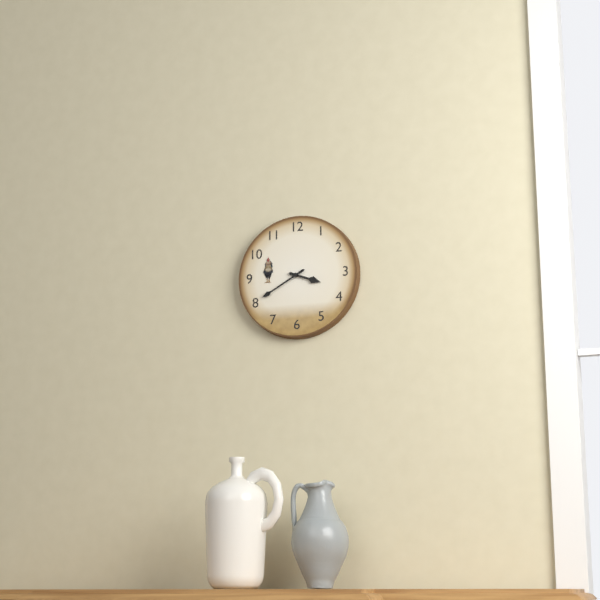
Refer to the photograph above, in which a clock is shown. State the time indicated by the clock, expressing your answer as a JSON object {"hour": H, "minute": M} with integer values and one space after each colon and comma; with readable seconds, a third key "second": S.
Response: {"hour": 3, "minute": 40}
